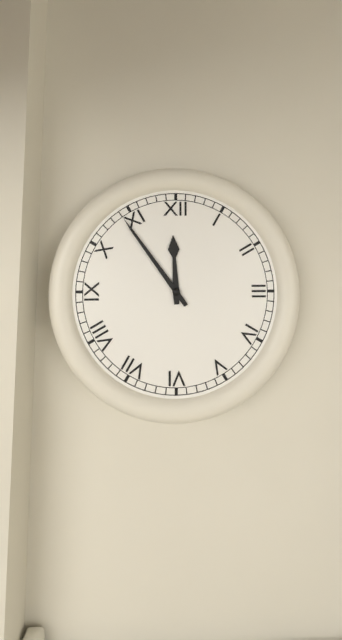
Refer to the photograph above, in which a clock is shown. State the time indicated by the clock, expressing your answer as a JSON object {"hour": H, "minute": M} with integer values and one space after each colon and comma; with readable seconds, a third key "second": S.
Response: {"hour": 11, "minute": 54}
